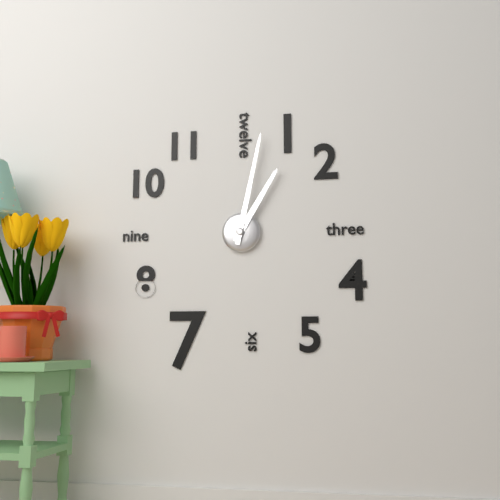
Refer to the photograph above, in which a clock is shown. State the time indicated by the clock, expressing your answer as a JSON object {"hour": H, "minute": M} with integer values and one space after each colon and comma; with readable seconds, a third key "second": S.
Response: {"hour": 1, "minute": 2}
